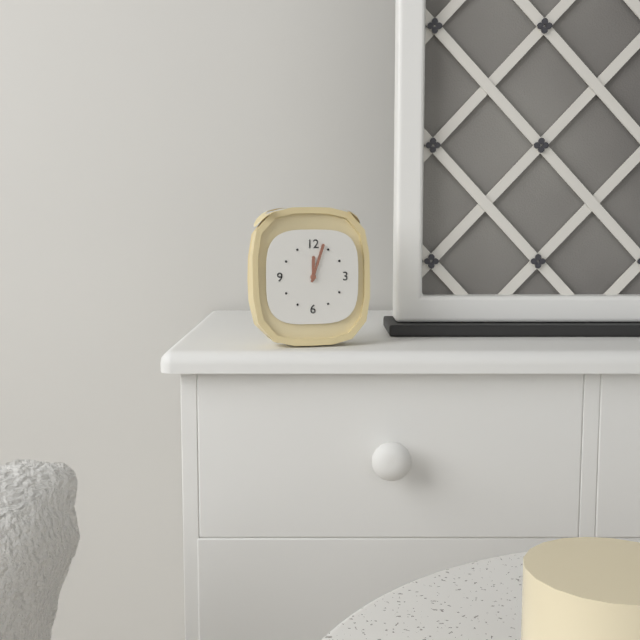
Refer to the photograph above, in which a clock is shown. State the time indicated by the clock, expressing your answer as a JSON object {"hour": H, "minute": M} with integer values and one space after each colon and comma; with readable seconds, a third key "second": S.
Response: {"hour": 12, "minute": 3}
